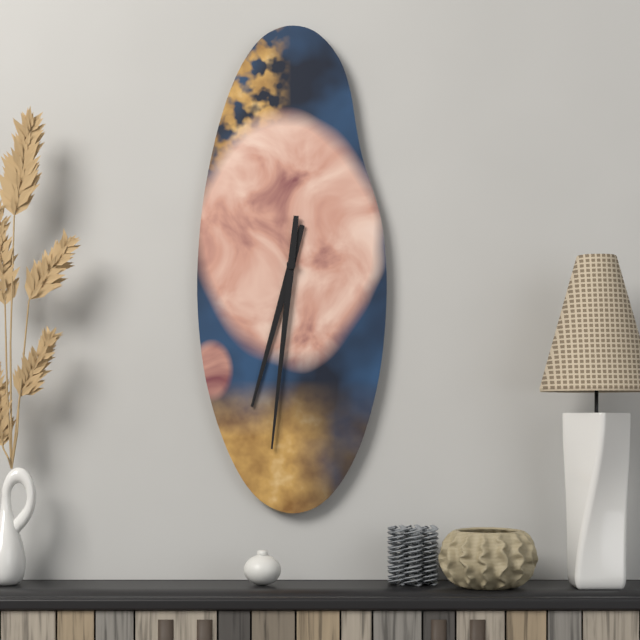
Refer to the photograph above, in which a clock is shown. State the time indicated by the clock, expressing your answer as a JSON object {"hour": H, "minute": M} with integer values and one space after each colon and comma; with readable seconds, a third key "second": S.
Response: {"hour": 6, "minute": 31}
